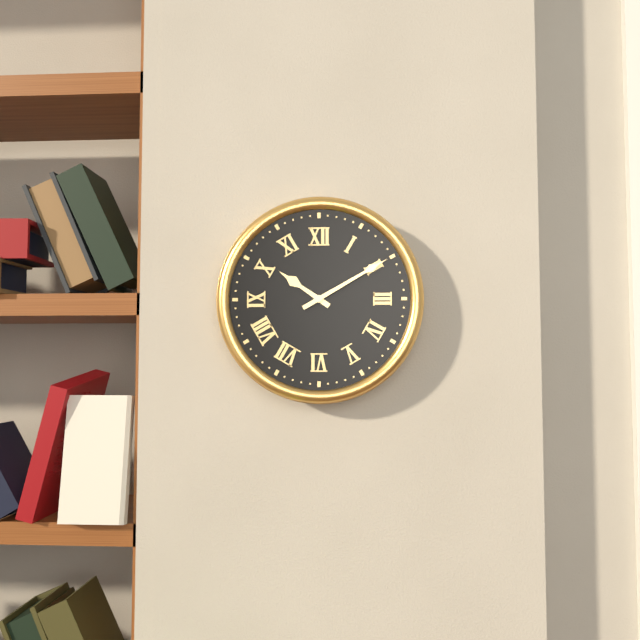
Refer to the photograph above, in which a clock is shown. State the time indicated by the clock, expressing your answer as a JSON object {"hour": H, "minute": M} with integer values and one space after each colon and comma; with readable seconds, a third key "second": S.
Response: {"hour": 10, "minute": 10}
